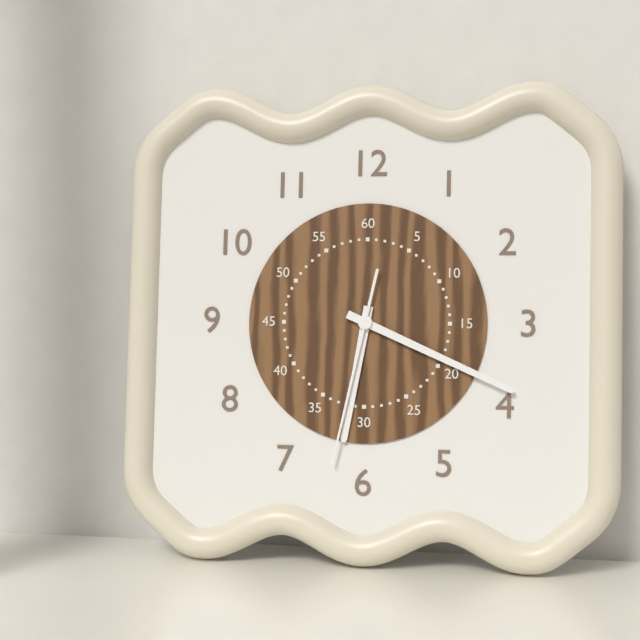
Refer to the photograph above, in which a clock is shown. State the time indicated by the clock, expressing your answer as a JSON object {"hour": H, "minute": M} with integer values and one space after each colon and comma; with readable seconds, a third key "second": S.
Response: {"hour": 6, "minute": 19, "second": 32}
